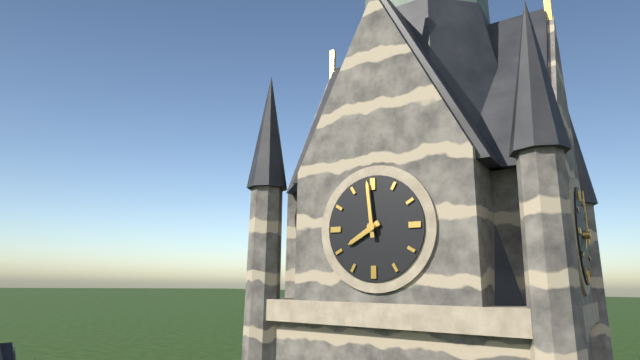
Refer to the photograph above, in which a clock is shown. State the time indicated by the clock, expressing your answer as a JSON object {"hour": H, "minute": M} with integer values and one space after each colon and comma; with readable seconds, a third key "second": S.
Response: {"hour": 7, "minute": 59}
